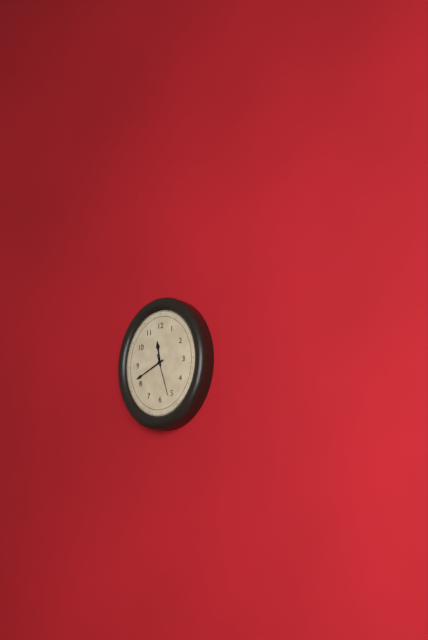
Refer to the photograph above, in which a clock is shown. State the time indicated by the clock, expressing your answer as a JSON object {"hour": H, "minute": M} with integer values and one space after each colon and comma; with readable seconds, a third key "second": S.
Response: {"hour": 11, "minute": 41}
